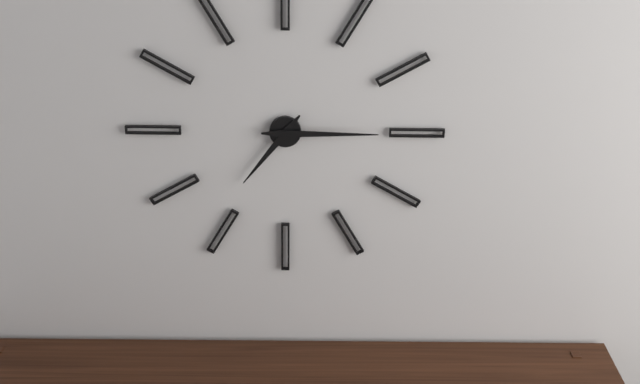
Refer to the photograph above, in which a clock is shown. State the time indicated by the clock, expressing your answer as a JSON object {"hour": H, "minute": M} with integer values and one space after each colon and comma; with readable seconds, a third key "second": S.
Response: {"hour": 7, "minute": 15}
